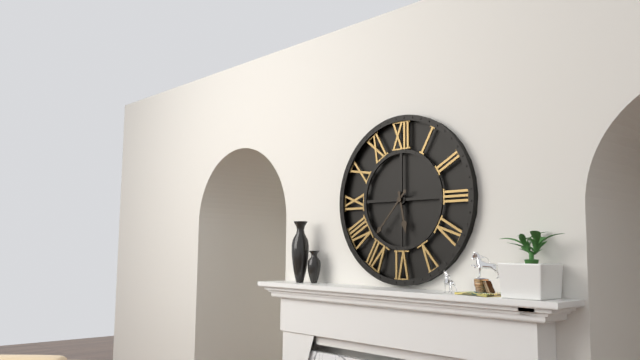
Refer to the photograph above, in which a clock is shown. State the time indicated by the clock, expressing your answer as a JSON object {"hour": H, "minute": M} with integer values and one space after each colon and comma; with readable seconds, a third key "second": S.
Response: {"hour": 5, "minute": 37}
